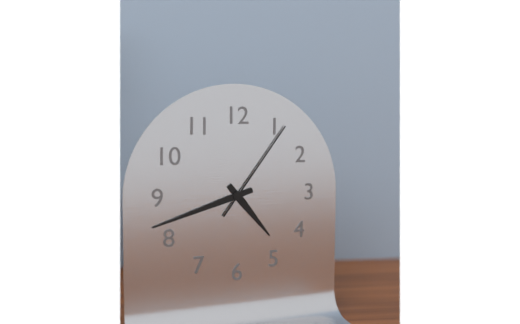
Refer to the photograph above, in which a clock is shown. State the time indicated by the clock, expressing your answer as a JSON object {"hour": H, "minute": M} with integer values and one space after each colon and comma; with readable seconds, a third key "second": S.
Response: {"hour": 4, "minute": 42, "second": 6}
